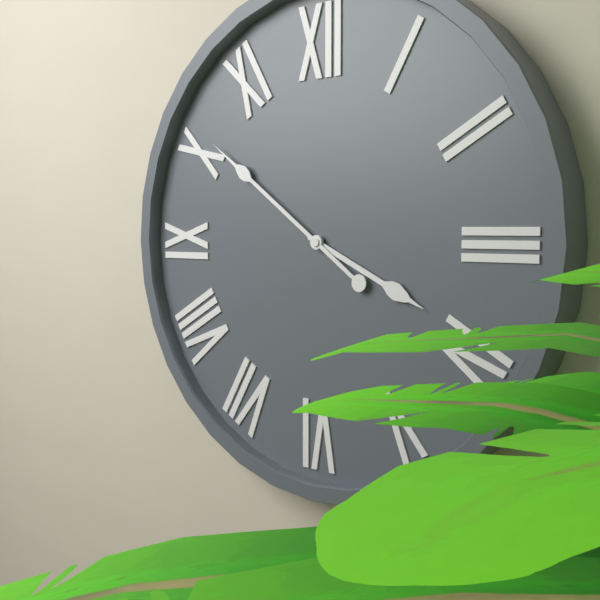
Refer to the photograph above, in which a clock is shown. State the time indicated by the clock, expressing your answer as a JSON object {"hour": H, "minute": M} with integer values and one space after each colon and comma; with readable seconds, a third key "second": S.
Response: {"hour": 3, "minute": 51}
